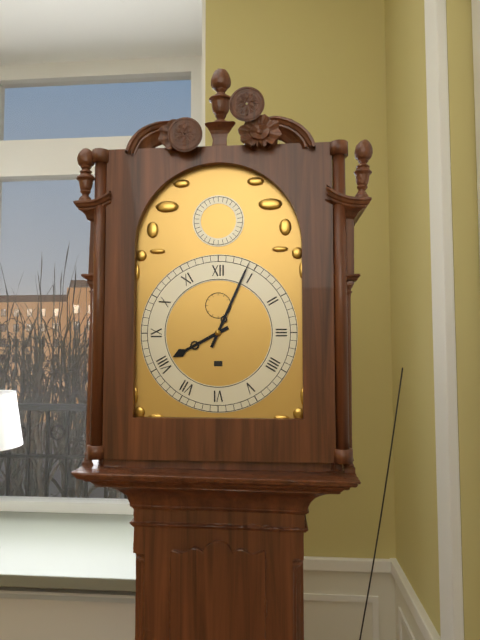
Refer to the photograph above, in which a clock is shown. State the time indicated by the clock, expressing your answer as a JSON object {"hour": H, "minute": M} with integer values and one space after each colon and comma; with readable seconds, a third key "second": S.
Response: {"hour": 8, "minute": 4}
